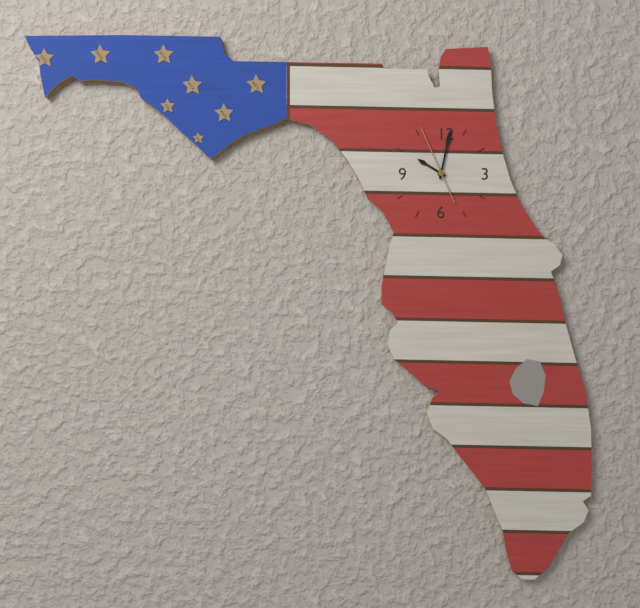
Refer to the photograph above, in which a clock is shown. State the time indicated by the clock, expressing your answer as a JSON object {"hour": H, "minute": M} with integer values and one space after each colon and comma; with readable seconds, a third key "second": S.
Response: {"hour": 10, "minute": 2, "second": 56}
